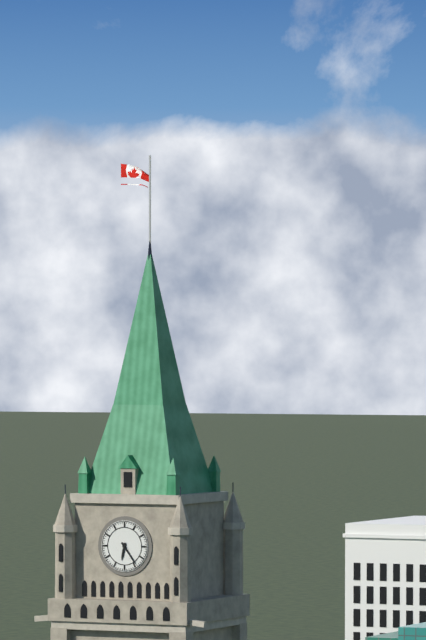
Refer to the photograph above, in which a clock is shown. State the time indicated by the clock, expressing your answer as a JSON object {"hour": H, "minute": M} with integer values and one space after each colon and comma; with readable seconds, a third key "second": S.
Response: {"hour": 6, "minute": 24}
